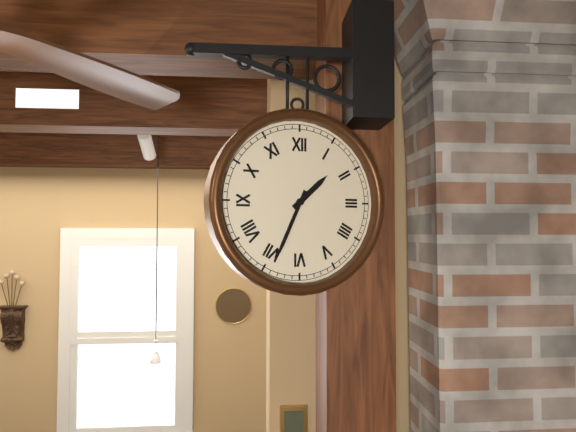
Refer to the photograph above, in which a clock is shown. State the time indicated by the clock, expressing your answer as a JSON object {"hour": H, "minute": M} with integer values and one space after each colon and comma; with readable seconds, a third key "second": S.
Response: {"hour": 1, "minute": 34}
